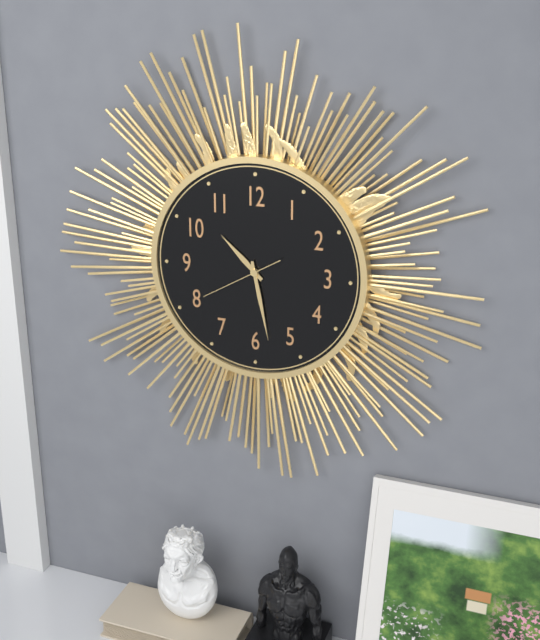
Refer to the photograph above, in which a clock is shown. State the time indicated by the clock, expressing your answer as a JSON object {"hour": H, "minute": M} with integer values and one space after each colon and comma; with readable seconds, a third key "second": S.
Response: {"hour": 10, "minute": 28, "second": 40}
